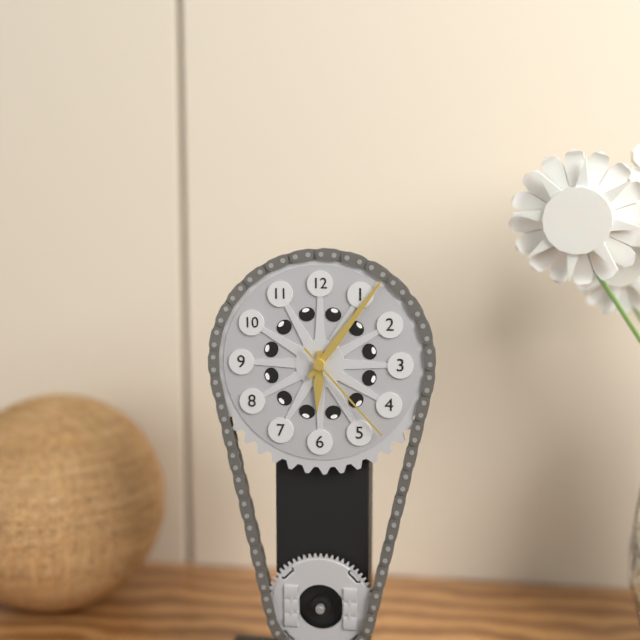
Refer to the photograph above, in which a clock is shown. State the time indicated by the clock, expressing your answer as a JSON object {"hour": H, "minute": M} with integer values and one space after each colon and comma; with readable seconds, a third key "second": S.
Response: {"hour": 6, "minute": 6, "second": 23}
